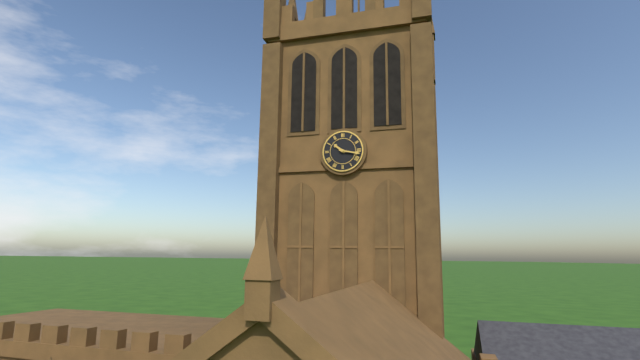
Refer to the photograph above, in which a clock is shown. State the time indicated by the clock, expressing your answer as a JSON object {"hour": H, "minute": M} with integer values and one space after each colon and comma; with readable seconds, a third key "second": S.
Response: {"hour": 10, "minute": 17}
